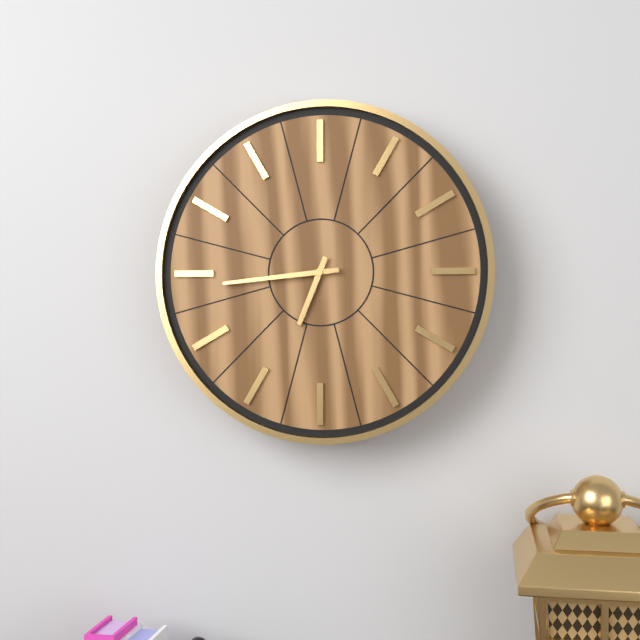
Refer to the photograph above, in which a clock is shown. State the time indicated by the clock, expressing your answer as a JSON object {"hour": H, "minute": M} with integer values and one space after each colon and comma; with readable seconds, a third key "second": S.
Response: {"hour": 6, "minute": 44}
